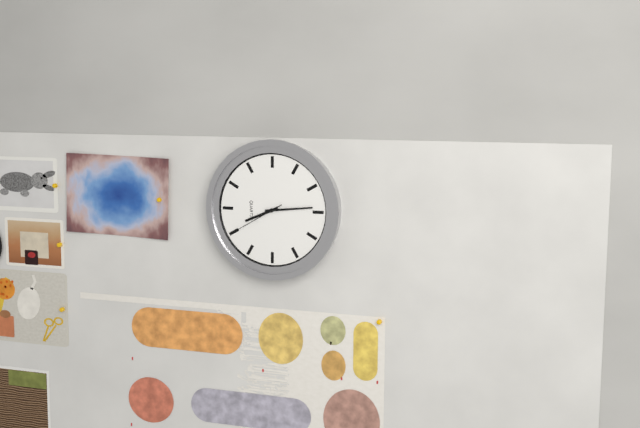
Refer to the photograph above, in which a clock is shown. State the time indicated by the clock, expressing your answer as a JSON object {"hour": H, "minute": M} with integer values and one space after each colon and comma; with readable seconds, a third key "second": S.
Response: {"hour": 8, "minute": 14, "second": 40}
